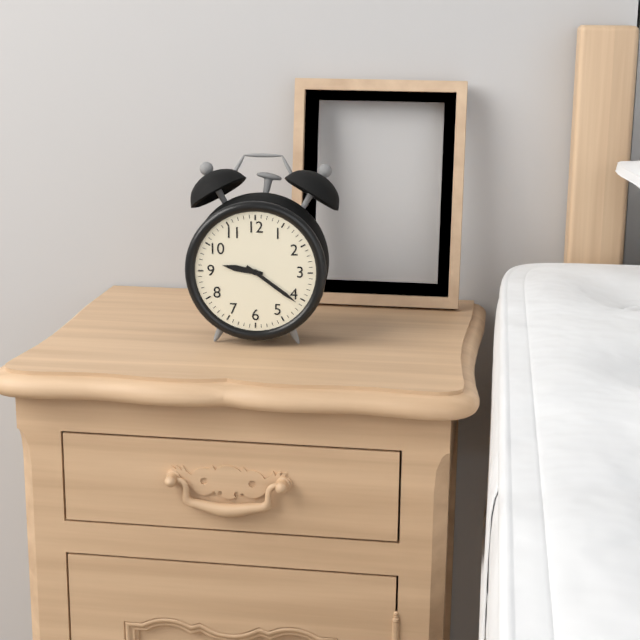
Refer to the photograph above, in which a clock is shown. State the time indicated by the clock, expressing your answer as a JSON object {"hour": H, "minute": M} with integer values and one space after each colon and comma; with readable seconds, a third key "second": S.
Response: {"hour": 9, "minute": 21}
